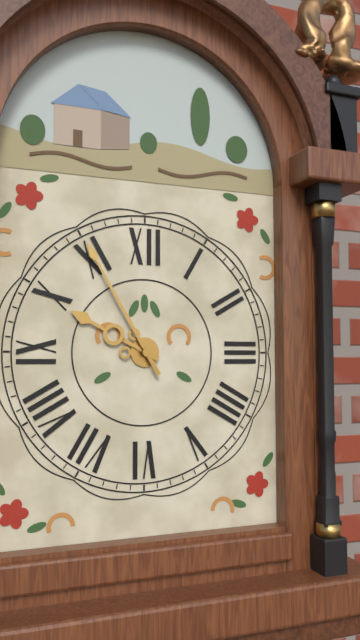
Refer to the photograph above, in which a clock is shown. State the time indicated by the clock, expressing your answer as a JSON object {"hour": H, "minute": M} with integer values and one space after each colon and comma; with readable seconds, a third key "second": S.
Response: {"hour": 9, "minute": 55}
